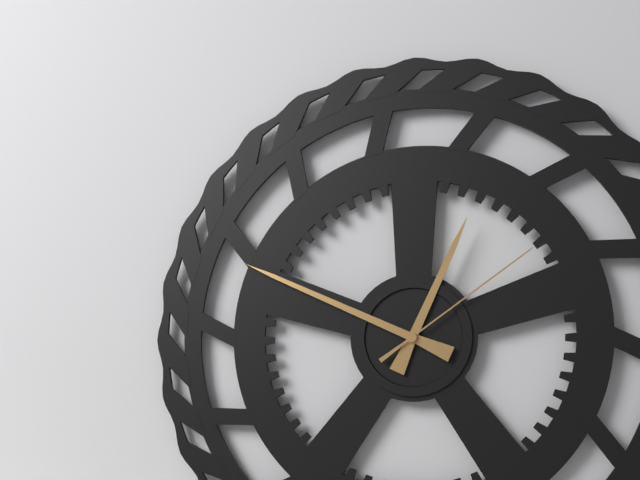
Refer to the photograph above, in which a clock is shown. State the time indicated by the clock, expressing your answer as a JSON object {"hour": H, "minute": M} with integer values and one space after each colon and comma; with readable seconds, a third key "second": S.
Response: {"hour": 12, "minute": 49, "second": 9}
